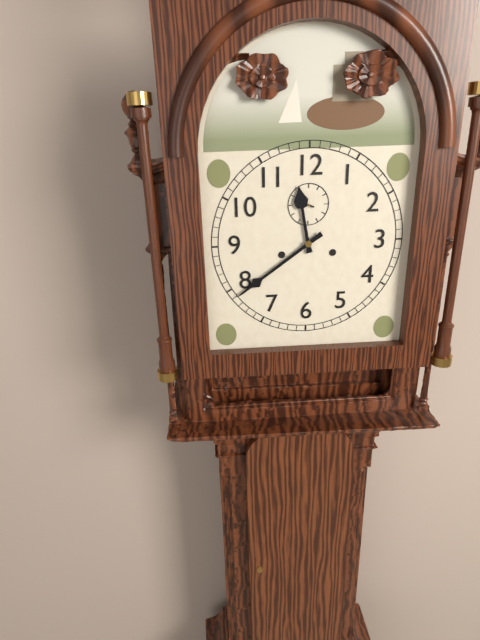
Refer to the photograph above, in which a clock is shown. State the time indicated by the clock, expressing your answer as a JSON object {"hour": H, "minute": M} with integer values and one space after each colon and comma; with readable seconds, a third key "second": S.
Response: {"hour": 11, "minute": 39}
